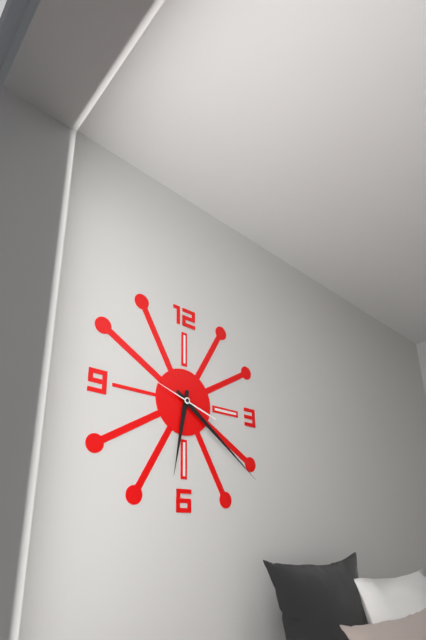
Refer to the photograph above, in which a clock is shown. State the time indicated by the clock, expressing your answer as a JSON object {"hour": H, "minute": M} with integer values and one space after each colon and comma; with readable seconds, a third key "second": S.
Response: {"hour": 6, "minute": 21, "second": 48}
